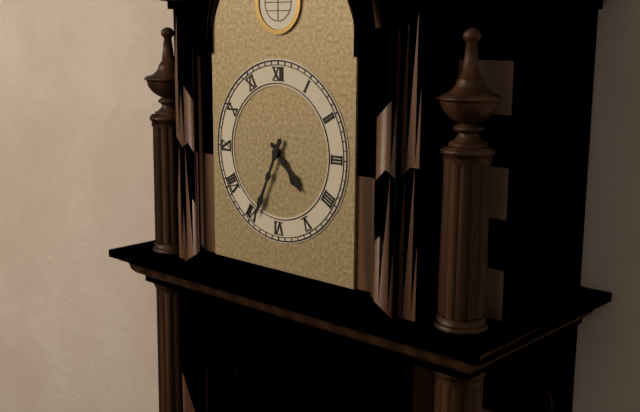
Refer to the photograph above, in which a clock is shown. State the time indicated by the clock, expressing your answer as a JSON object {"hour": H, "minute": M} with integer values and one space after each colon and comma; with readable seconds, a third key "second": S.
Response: {"hour": 4, "minute": 34}
